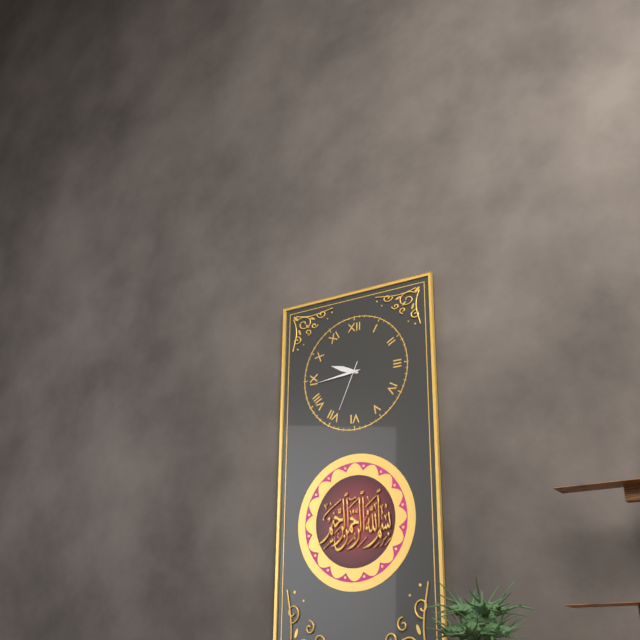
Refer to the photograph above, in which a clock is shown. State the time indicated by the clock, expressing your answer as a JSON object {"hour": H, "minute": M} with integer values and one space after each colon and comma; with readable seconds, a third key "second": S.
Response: {"hour": 9, "minute": 44, "second": 34}
